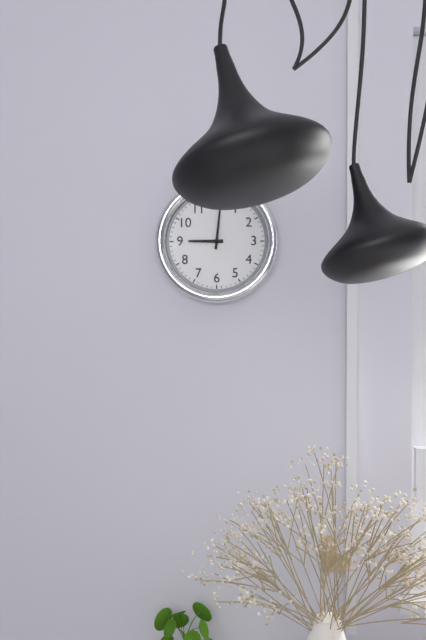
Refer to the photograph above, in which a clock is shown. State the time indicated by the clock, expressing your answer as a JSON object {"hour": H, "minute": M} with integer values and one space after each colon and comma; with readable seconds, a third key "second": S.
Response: {"hour": 9, "minute": 1}
